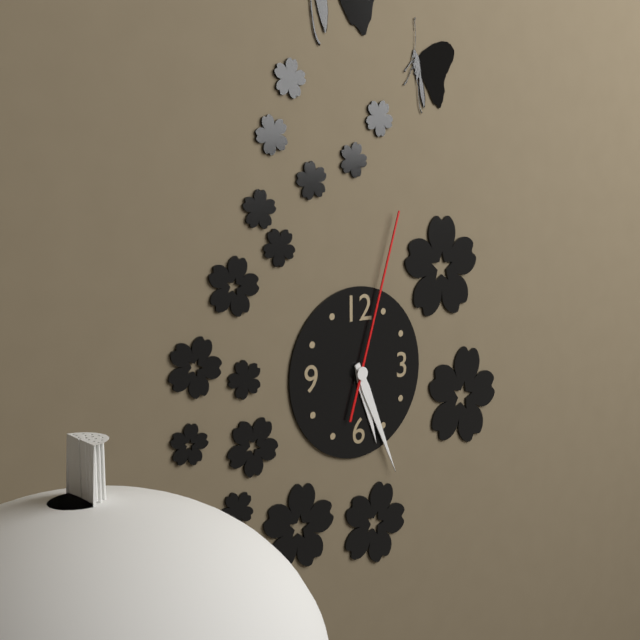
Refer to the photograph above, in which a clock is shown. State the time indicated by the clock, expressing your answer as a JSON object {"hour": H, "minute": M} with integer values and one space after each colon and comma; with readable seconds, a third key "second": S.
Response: {"hour": 5, "minute": 26, "second": 3}
